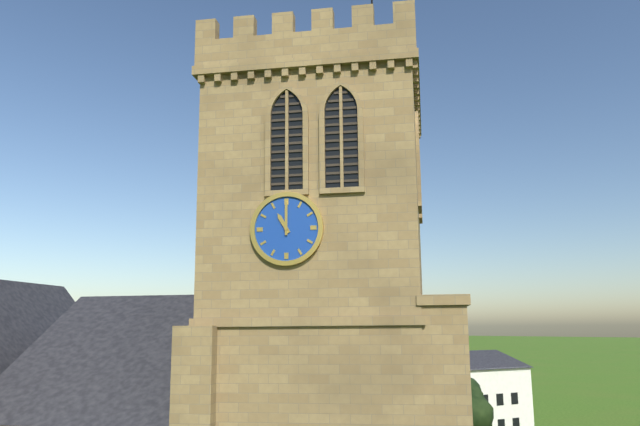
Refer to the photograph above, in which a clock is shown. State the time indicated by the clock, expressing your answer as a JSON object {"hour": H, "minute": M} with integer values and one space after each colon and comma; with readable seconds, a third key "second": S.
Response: {"hour": 11, "minute": 0}
